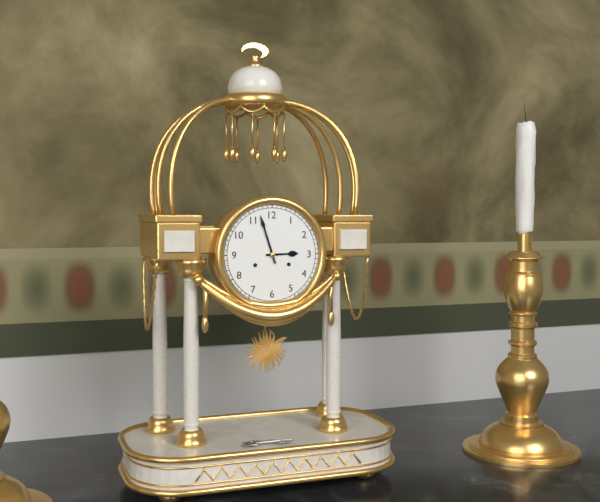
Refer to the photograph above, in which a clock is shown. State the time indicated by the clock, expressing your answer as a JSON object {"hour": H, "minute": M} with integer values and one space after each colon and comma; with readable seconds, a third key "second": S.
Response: {"hour": 2, "minute": 57}
